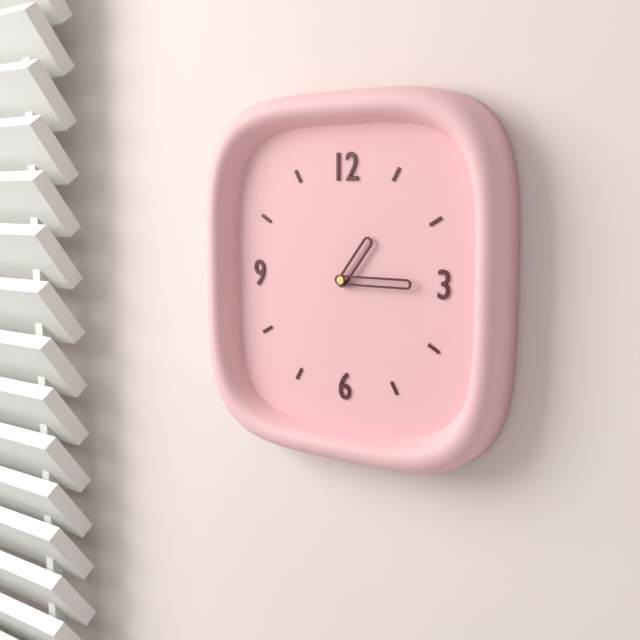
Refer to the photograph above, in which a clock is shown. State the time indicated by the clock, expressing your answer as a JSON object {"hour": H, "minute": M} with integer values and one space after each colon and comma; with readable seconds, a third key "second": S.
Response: {"hour": 1, "minute": 15}
